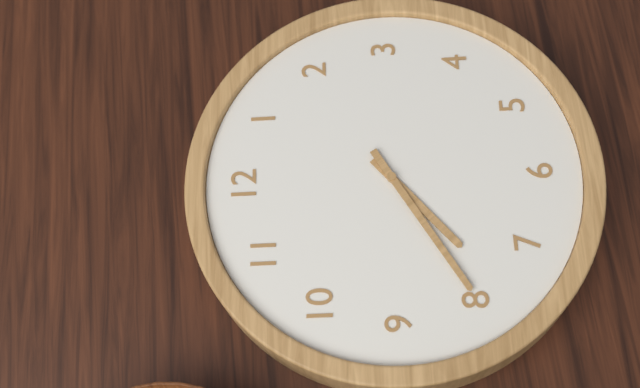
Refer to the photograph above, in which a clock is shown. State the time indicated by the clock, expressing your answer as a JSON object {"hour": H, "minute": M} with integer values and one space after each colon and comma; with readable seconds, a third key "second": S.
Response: {"hour": 7, "minute": 40}
